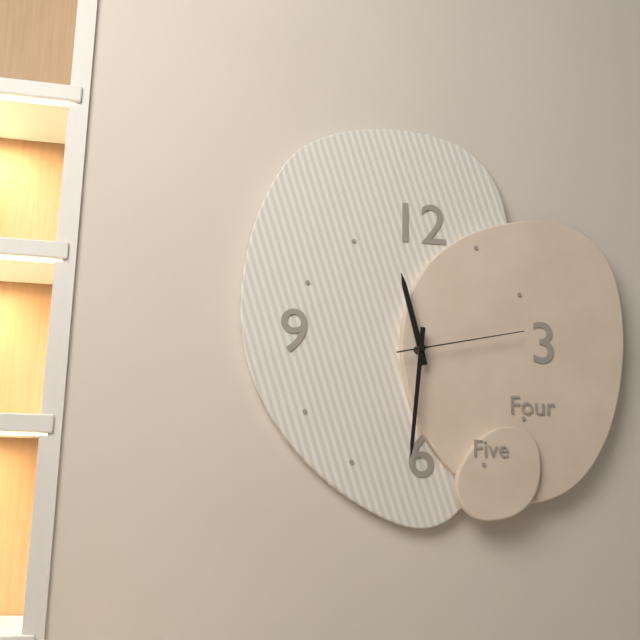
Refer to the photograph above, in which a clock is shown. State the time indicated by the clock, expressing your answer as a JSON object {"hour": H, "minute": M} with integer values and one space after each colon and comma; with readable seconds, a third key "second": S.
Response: {"hour": 11, "minute": 31, "second": 13}
